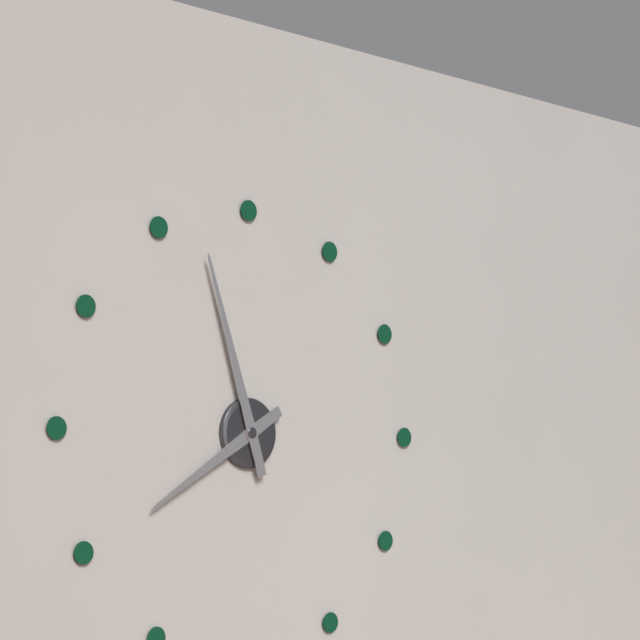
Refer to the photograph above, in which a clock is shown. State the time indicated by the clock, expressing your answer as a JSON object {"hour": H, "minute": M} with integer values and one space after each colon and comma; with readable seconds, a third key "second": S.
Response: {"hour": 7, "minute": 57}
